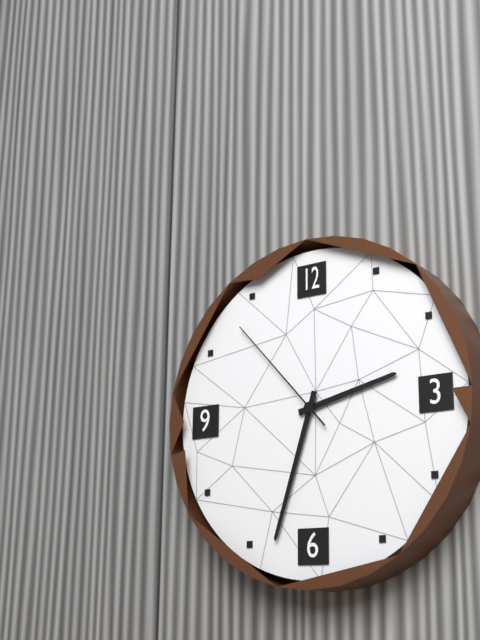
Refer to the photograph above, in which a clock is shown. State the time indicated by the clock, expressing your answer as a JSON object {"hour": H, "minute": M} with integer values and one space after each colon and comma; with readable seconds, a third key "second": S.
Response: {"hour": 2, "minute": 33, "second": 53}
